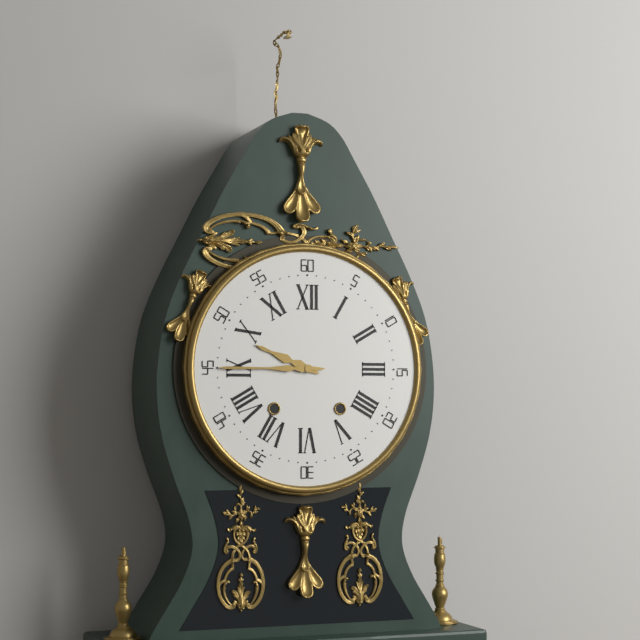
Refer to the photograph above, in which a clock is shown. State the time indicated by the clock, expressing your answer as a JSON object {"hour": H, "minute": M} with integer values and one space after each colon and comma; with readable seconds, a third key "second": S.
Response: {"hour": 9, "minute": 45}
